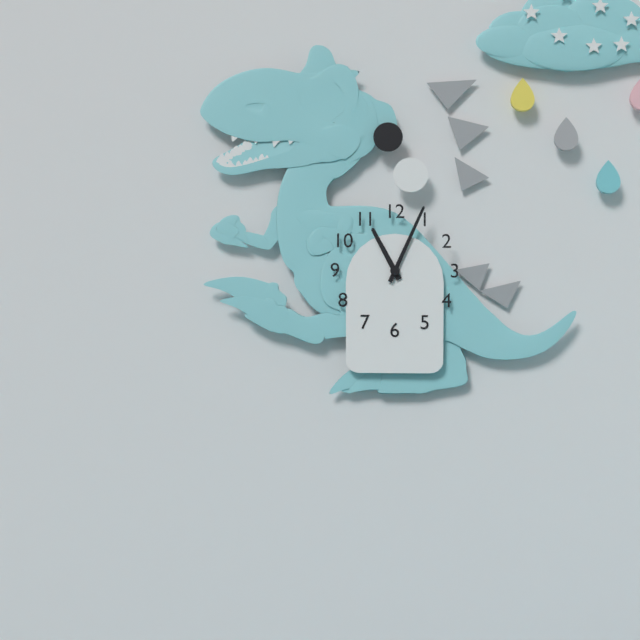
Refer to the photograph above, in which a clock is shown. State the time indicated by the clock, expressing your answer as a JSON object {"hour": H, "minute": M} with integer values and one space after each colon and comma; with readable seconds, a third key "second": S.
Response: {"hour": 11, "minute": 4}
